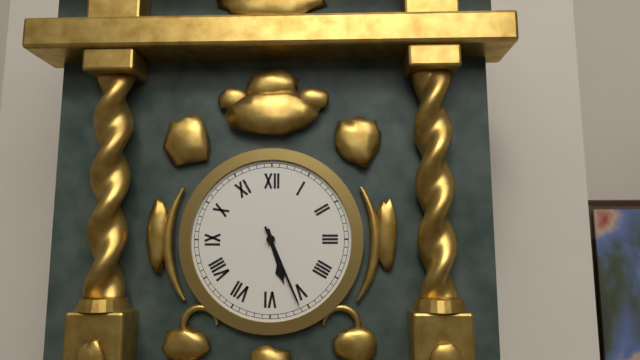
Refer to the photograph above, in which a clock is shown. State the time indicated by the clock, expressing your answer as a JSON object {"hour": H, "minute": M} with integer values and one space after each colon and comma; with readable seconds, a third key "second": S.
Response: {"hour": 5, "minute": 26}
